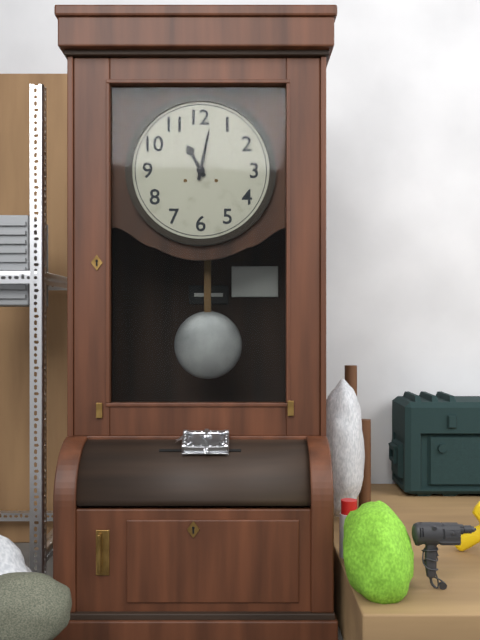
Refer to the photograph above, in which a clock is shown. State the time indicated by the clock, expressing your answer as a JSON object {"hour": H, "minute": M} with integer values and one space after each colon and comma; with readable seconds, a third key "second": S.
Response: {"hour": 11, "minute": 2}
